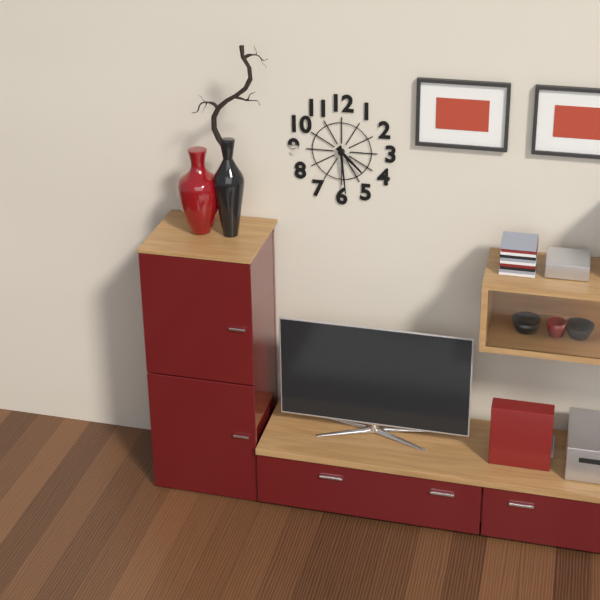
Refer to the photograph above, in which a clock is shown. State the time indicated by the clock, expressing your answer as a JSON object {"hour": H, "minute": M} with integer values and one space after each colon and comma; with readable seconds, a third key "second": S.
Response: {"hour": 4, "minute": 29}
